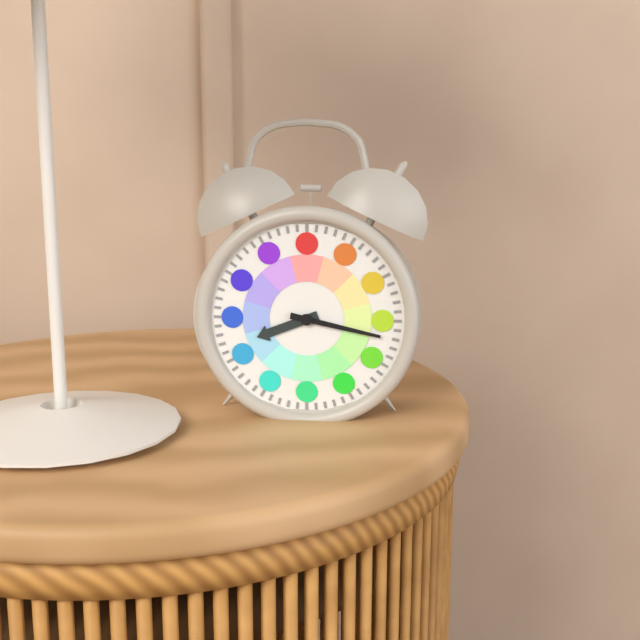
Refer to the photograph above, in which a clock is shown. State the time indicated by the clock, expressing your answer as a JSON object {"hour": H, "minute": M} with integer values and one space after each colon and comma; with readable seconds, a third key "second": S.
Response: {"hour": 8, "minute": 17}
